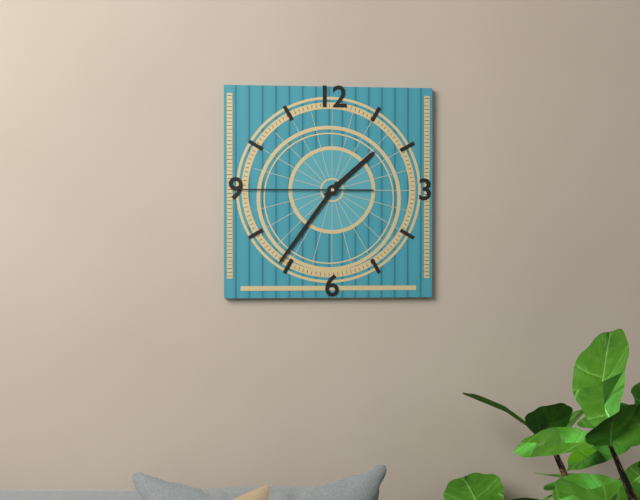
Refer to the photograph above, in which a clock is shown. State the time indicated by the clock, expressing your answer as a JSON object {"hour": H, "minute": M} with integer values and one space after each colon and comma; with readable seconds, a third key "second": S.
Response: {"hour": 1, "minute": 36, "second": 45}
